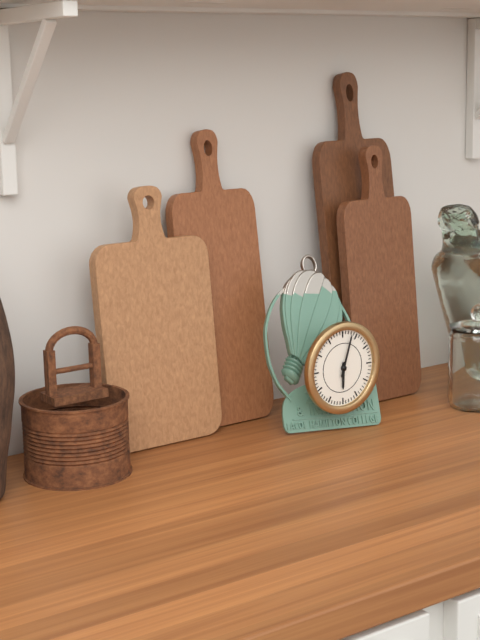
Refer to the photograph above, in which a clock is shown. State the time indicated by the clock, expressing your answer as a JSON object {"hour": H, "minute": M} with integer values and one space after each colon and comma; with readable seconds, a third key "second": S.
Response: {"hour": 6, "minute": 3}
